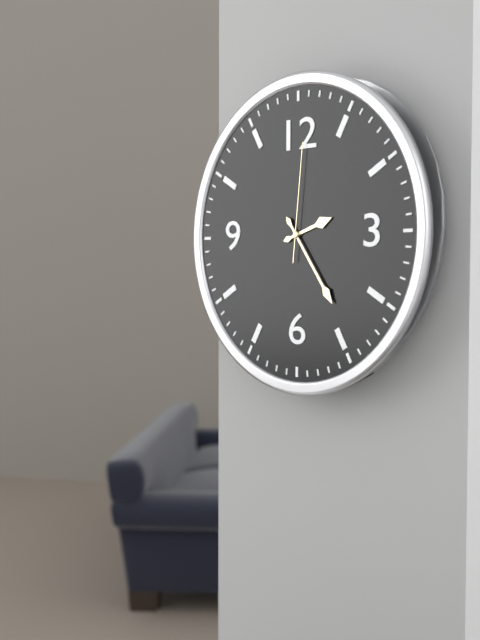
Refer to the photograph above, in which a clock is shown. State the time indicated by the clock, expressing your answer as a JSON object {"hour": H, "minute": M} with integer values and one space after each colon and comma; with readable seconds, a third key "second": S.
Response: {"hour": 2, "minute": 24, "second": 1}
